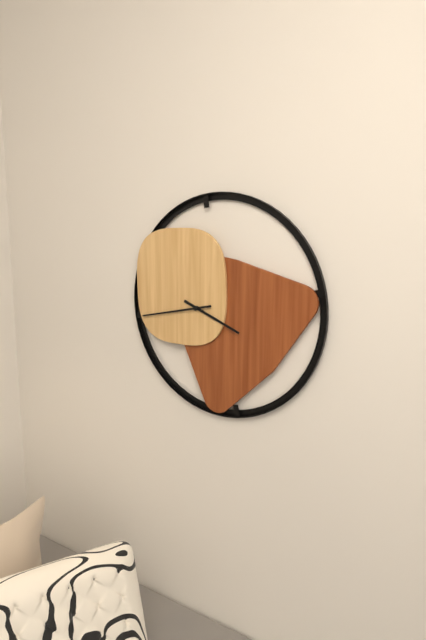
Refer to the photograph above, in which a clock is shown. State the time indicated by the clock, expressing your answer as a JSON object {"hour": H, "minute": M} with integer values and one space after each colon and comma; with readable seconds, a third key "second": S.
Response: {"hour": 3, "minute": 43}
